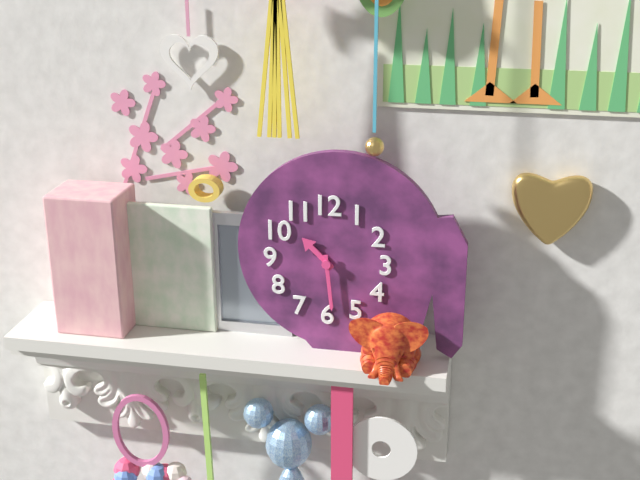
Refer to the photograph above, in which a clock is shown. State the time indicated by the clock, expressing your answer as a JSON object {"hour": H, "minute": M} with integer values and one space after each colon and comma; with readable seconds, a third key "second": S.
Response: {"hour": 10, "minute": 29}
